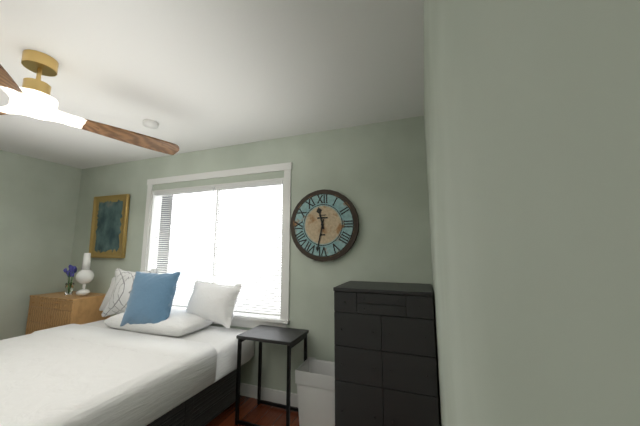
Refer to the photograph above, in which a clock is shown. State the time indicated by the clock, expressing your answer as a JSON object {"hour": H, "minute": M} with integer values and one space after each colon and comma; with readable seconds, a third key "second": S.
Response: {"hour": 11, "minute": 32}
